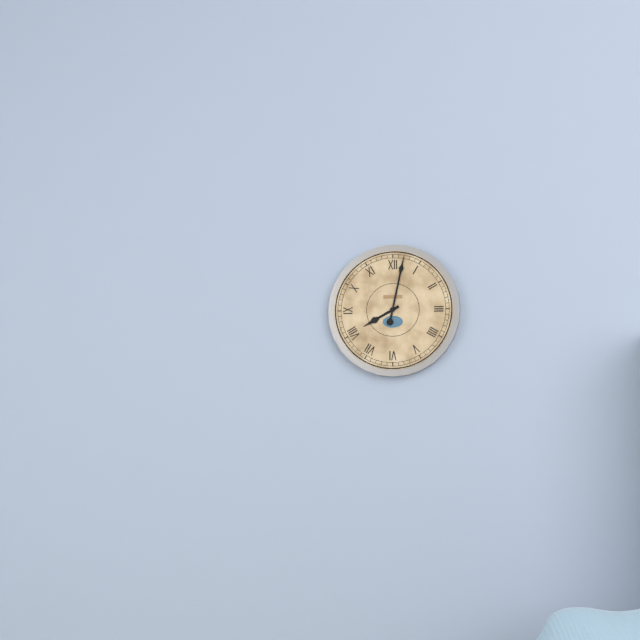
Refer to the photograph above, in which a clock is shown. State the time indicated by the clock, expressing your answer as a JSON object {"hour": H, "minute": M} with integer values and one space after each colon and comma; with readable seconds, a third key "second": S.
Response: {"hour": 8, "minute": 2}
